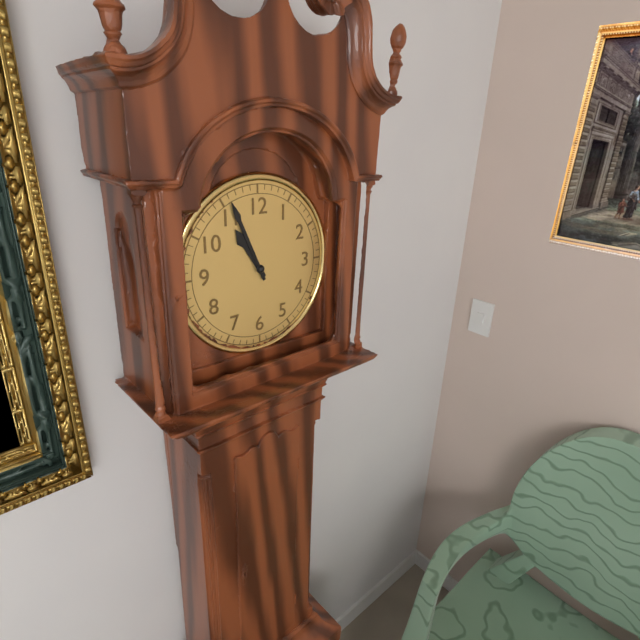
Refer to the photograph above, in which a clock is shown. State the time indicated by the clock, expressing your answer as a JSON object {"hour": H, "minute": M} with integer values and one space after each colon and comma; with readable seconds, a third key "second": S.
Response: {"hour": 10, "minute": 56}
